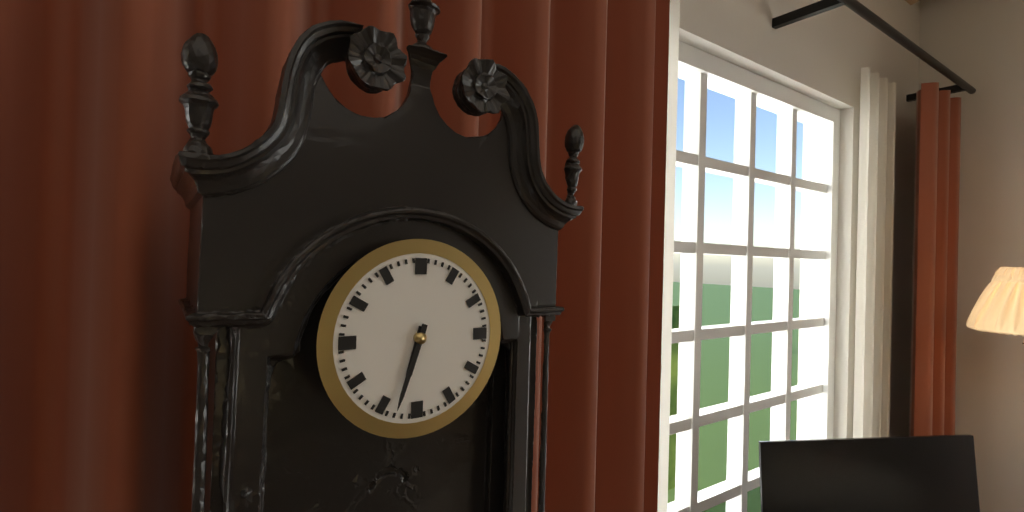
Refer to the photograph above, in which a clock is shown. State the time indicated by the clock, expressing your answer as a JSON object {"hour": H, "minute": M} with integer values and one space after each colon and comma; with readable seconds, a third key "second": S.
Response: {"hour": 6, "minute": 33}
